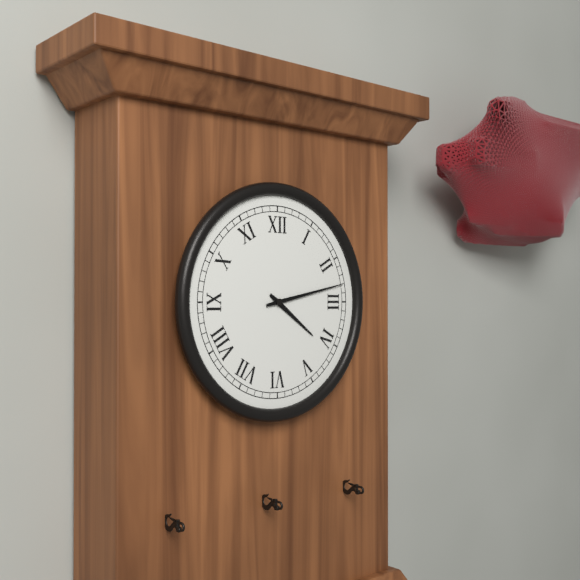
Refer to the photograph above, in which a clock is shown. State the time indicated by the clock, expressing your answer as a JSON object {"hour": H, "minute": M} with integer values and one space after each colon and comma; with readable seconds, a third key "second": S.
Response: {"hour": 4, "minute": 13}
